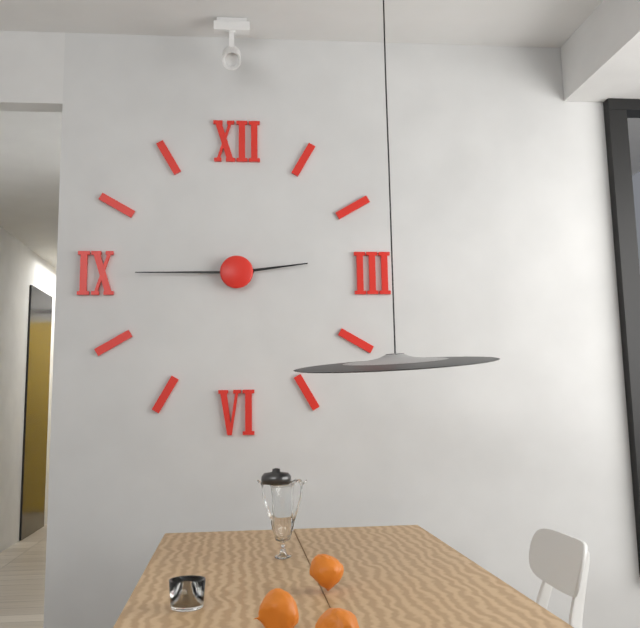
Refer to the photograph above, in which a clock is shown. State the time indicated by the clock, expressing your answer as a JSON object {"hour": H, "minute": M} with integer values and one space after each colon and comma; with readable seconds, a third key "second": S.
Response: {"hour": 2, "minute": 45}
